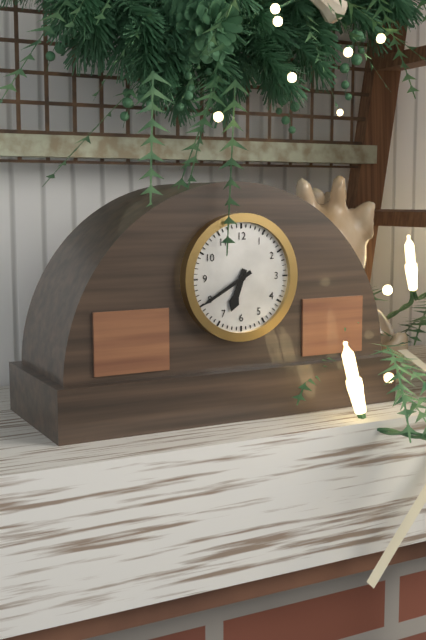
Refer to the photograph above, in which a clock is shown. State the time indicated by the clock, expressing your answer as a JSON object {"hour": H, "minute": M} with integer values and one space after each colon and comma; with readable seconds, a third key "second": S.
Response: {"hour": 6, "minute": 40}
